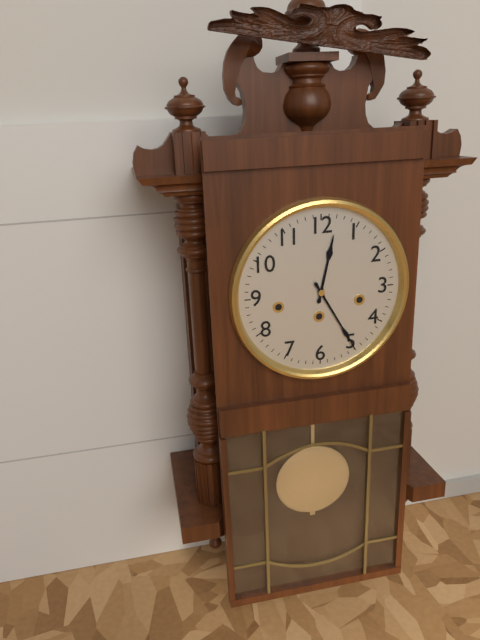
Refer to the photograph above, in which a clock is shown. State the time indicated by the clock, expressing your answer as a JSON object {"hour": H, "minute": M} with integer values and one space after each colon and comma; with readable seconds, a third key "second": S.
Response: {"hour": 12, "minute": 25}
